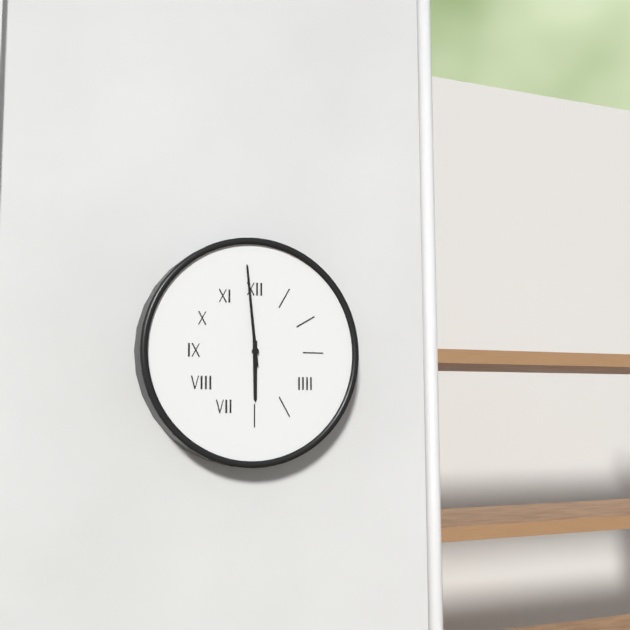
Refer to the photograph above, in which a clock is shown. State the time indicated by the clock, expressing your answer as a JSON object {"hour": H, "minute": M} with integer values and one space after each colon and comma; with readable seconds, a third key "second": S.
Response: {"hour": 5, "minute": 59}
